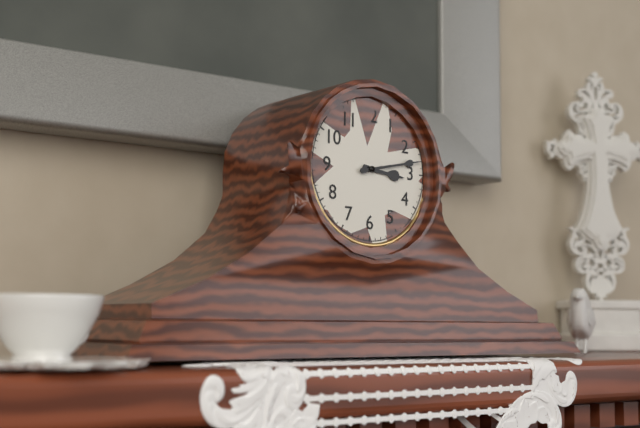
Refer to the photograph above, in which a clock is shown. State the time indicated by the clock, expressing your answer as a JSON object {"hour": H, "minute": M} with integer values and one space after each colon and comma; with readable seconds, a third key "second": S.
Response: {"hour": 3, "minute": 13}
